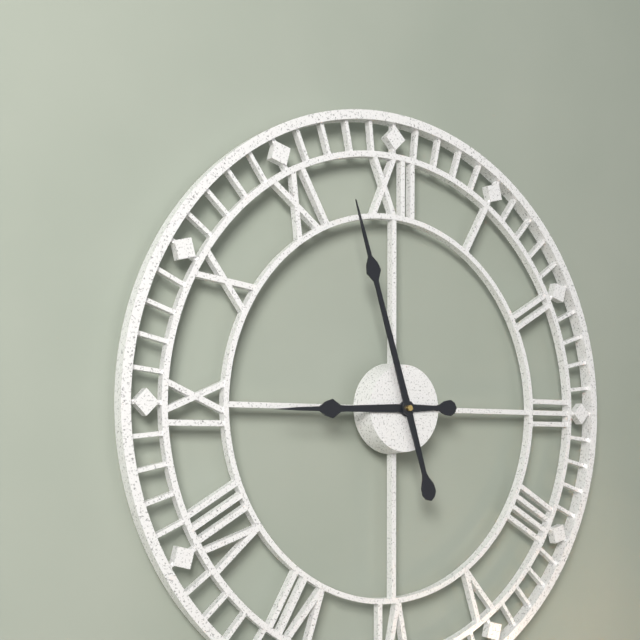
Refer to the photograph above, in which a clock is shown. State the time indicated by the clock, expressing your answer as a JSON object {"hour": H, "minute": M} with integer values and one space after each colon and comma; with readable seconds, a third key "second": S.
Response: {"hour": 8, "minute": 57}
